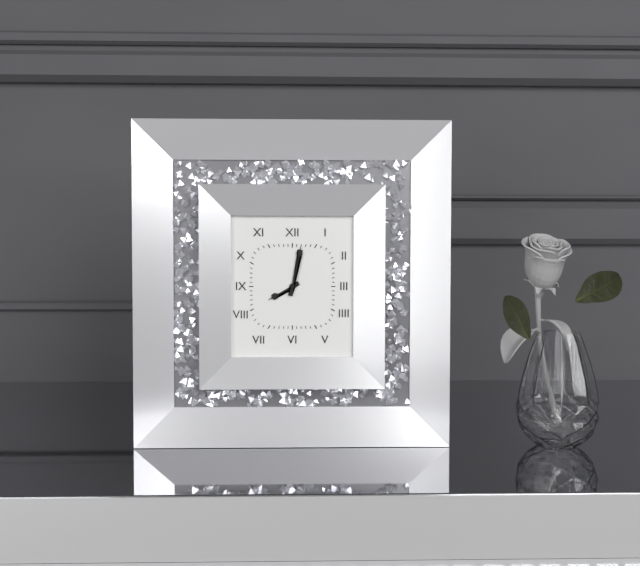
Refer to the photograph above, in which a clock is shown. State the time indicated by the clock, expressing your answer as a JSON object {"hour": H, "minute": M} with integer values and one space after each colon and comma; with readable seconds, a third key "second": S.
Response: {"hour": 8, "minute": 2}
